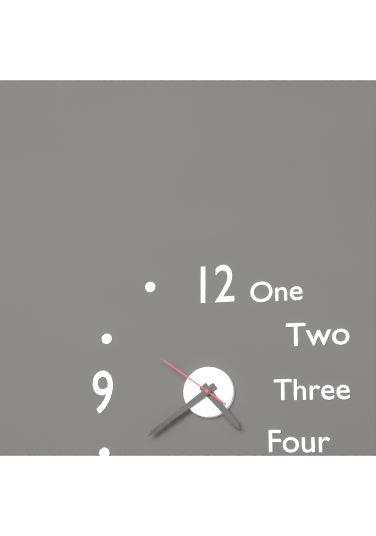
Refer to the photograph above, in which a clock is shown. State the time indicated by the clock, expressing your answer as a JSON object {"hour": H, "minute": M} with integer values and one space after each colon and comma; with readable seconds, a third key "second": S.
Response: {"hour": 4, "minute": 39, "second": 51}
